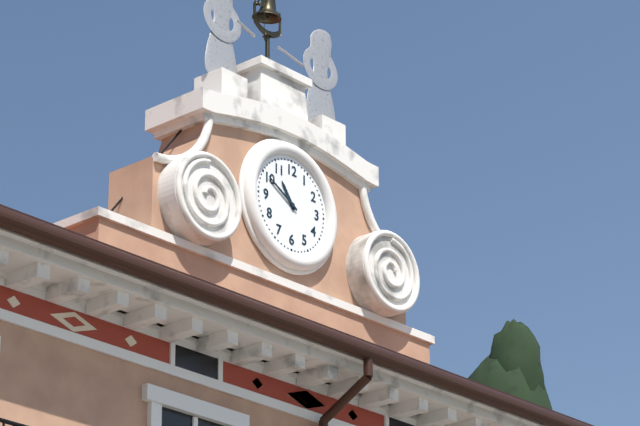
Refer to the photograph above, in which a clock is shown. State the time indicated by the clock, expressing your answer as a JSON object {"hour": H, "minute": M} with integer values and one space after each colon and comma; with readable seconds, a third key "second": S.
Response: {"hour": 10, "minute": 50}
